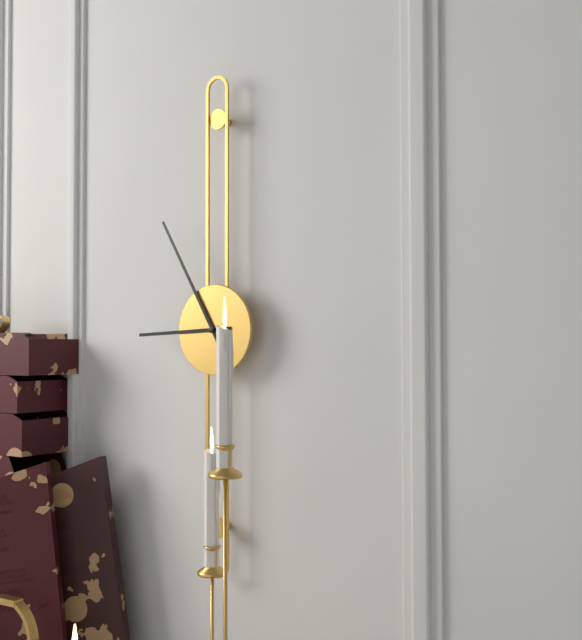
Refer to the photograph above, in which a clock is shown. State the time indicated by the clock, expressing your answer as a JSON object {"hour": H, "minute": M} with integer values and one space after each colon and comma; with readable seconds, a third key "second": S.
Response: {"hour": 8, "minute": 55}
